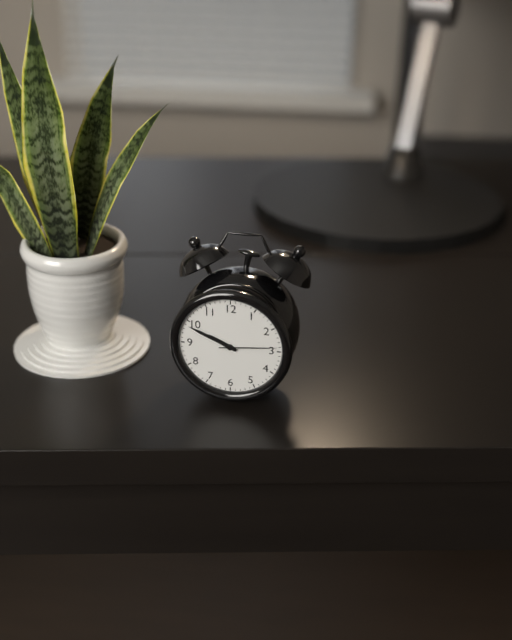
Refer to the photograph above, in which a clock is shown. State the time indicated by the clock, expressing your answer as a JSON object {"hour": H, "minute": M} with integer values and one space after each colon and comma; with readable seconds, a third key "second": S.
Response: {"hour": 9, "minute": 49, "second": 14}
